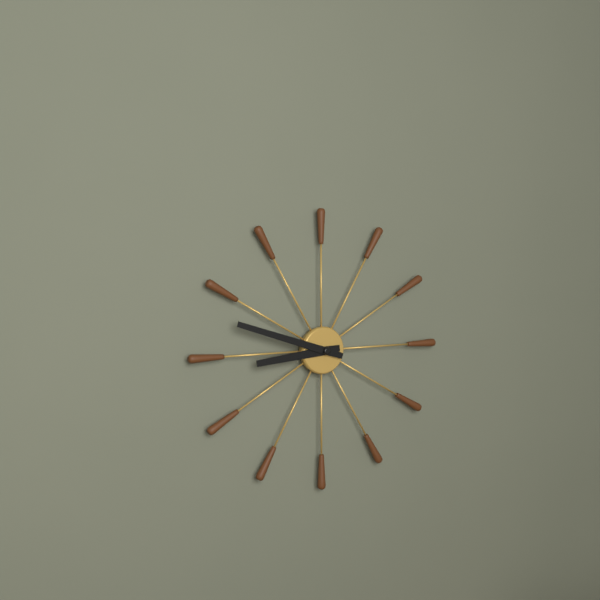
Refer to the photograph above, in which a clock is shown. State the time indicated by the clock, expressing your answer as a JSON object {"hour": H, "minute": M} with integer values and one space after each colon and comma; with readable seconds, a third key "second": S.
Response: {"hour": 8, "minute": 48}
